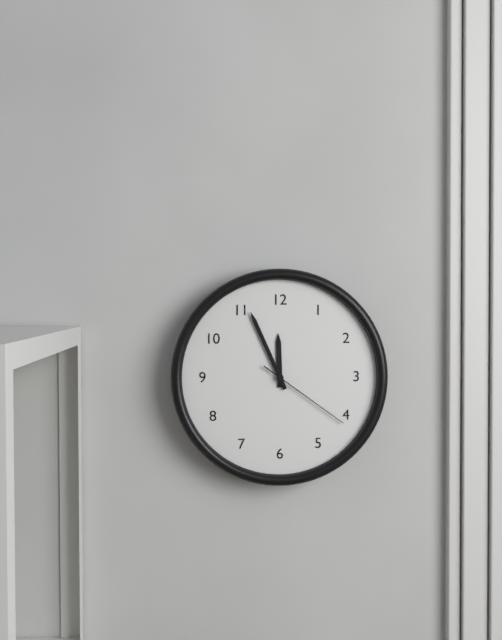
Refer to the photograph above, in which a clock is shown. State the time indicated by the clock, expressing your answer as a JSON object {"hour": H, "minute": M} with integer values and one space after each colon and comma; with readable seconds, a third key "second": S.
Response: {"hour": 11, "minute": 56, "second": 21}
